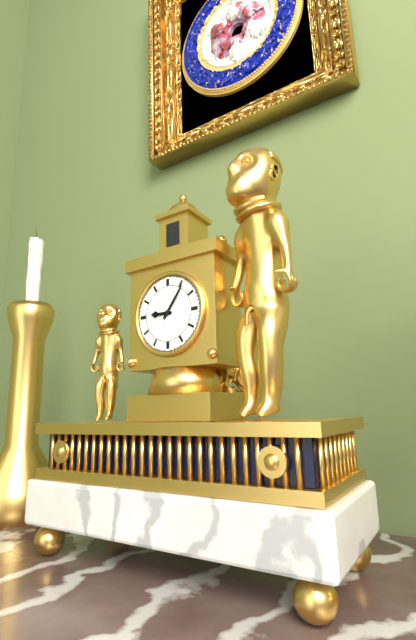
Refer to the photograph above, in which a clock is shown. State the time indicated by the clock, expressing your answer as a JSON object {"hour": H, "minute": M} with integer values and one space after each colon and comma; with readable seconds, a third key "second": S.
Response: {"hour": 9, "minute": 6}
